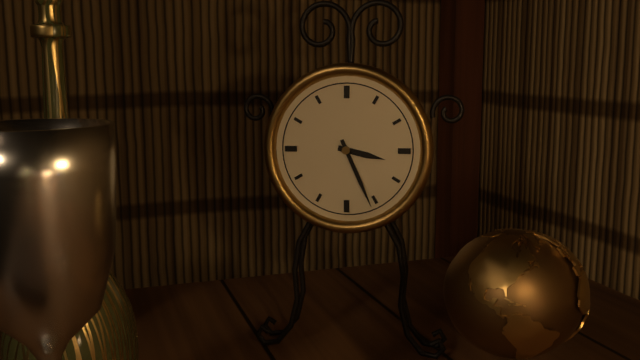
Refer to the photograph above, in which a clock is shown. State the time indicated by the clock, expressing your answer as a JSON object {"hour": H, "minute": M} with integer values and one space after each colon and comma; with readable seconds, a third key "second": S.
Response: {"hour": 3, "minute": 26}
